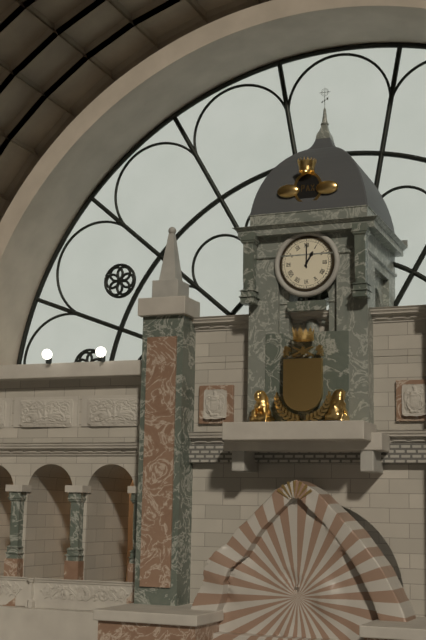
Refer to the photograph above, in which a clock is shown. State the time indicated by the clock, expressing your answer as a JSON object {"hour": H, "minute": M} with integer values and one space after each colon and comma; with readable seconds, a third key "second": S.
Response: {"hour": 1, "minute": 0}
